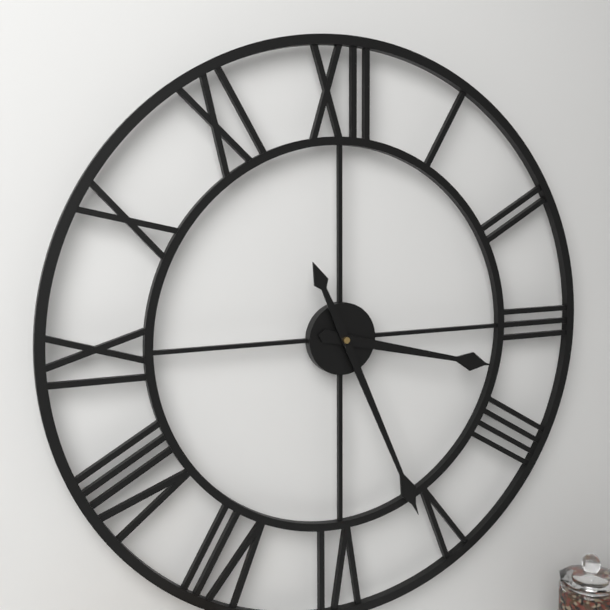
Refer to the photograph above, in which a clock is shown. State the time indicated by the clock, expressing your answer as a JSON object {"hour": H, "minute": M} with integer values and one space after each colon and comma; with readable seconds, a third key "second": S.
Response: {"hour": 3, "minute": 26}
